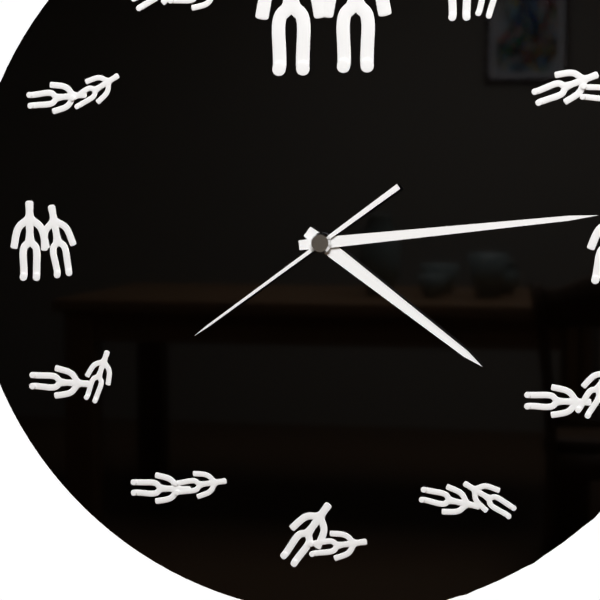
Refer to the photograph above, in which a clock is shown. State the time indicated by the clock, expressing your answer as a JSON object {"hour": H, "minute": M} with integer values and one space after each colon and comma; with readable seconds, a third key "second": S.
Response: {"hour": 4, "minute": 14, "second": 39}
